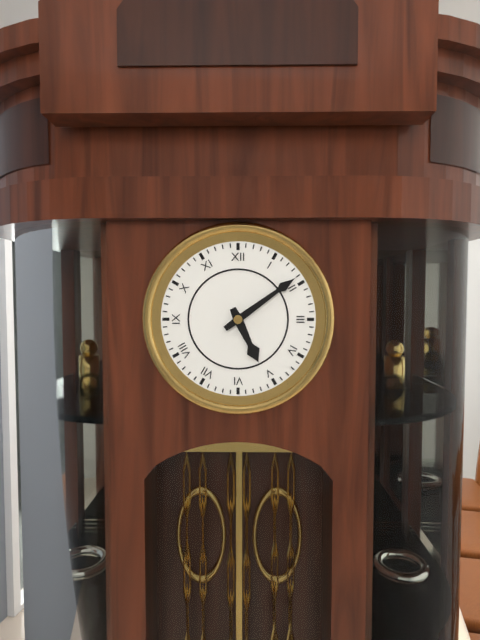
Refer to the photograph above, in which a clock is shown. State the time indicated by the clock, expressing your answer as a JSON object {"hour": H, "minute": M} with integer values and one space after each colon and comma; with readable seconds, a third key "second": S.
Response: {"hour": 5, "minute": 9}
